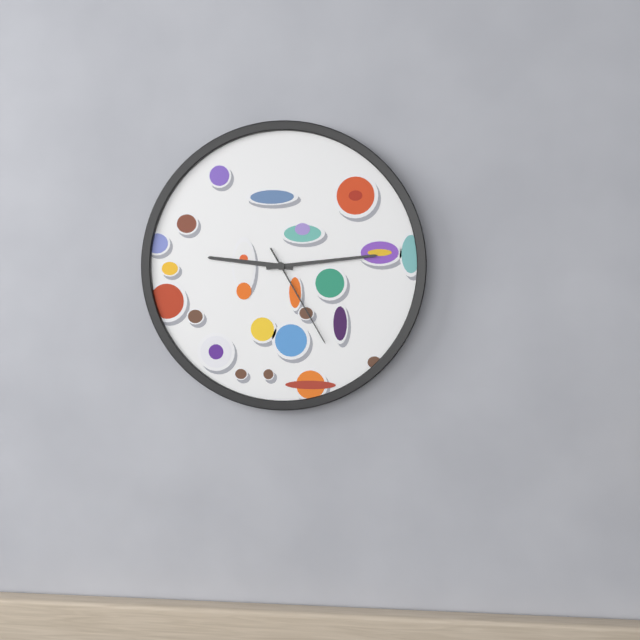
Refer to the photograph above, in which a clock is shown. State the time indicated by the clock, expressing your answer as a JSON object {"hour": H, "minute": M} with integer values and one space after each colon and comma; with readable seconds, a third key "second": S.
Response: {"hour": 9, "minute": 14, "second": 25}
